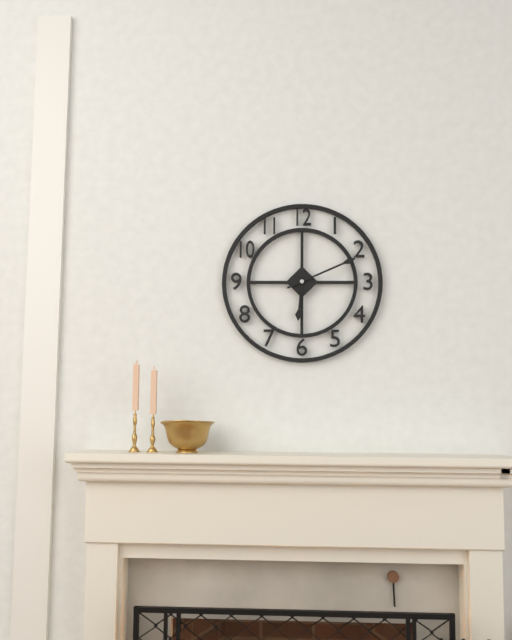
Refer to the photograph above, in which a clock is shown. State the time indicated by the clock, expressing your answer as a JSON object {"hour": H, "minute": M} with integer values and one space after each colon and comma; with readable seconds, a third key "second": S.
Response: {"hour": 6, "minute": 11}
